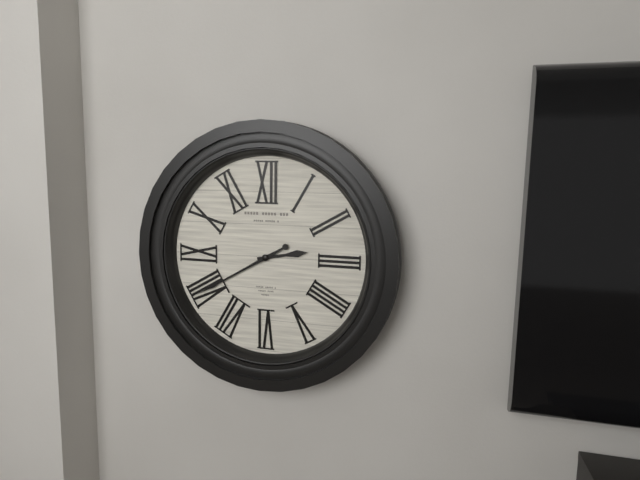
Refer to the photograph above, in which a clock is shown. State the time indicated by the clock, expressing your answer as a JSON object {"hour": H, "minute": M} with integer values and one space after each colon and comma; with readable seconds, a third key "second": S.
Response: {"hour": 2, "minute": 40}
